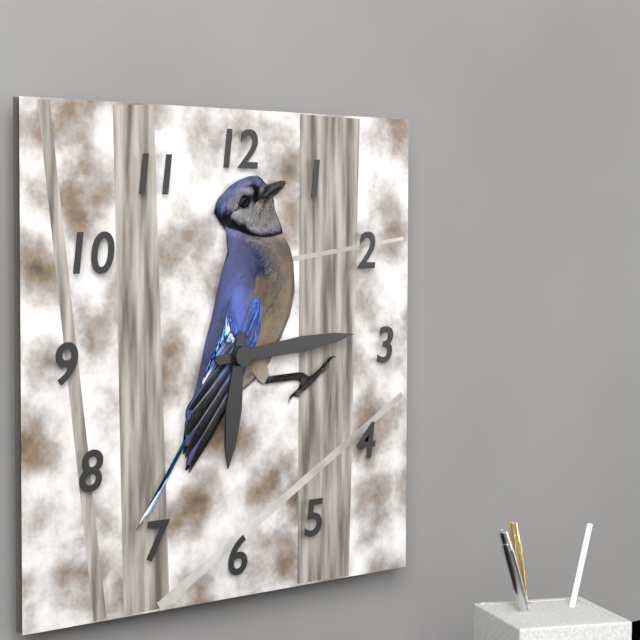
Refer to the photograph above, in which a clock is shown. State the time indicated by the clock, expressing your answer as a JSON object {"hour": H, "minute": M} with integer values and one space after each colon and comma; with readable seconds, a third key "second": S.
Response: {"hour": 6, "minute": 14}
